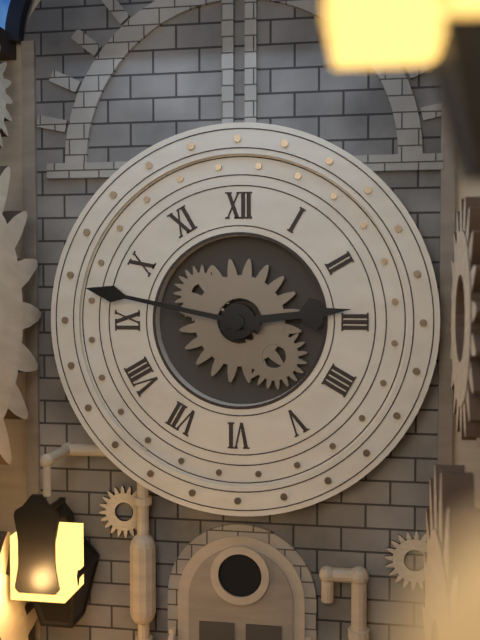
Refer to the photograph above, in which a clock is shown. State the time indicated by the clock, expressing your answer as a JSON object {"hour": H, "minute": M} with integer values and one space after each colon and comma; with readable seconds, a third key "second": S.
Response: {"hour": 2, "minute": 47}
